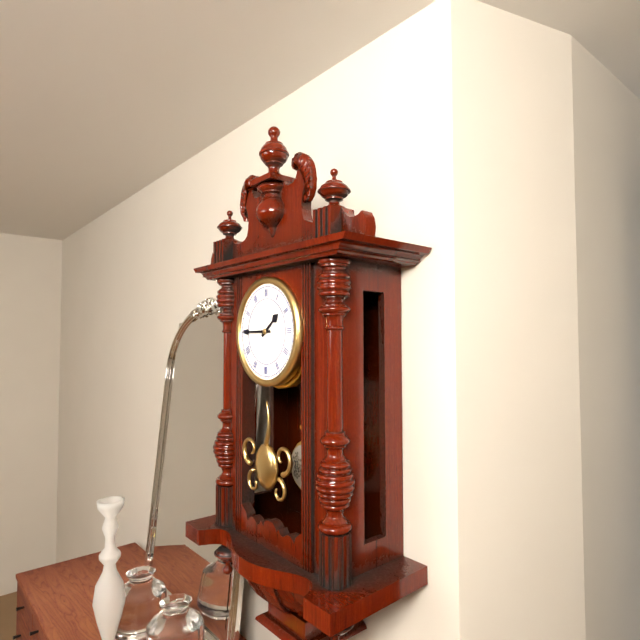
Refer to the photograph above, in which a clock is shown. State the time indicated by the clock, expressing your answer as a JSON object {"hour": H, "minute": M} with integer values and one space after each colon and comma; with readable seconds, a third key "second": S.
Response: {"hour": 1, "minute": 45}
